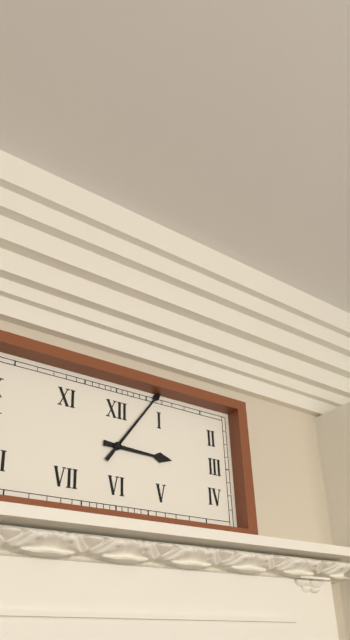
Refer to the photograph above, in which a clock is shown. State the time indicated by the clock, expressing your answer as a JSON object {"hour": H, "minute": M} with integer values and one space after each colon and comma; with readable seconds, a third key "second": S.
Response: {"hour": 3, "minute": 6}
